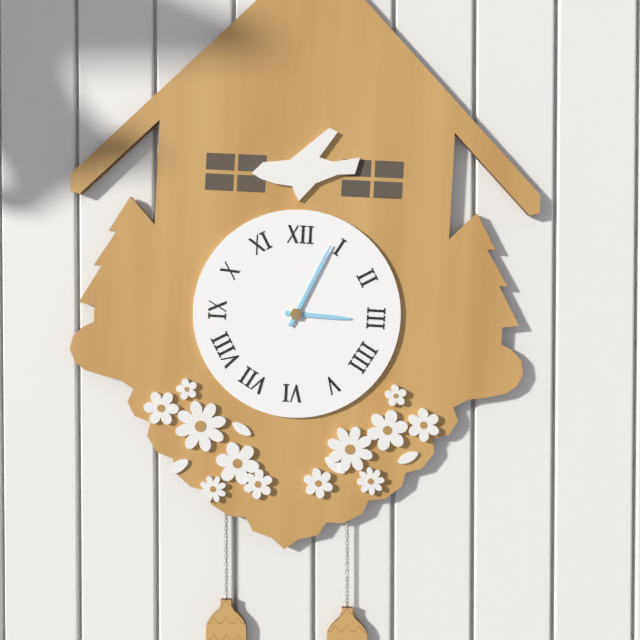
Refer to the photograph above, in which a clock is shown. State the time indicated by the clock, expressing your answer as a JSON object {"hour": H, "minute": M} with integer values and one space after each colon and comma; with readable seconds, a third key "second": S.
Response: {"hour": 3, "minute": 4}
